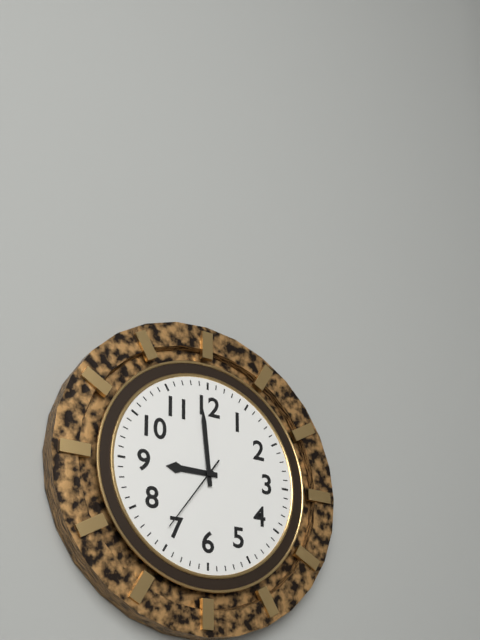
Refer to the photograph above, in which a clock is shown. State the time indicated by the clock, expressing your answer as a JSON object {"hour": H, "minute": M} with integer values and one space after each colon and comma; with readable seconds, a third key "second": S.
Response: {"hour": 8, "minute": 59, "second": 36}
